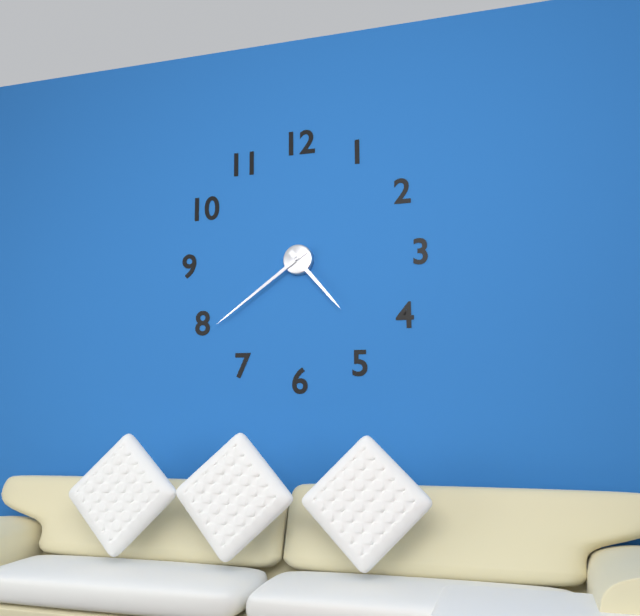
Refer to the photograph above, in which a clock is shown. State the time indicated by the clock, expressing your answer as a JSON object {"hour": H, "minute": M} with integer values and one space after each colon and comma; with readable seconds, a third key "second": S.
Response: {"hour": 4, "minute": 39}
